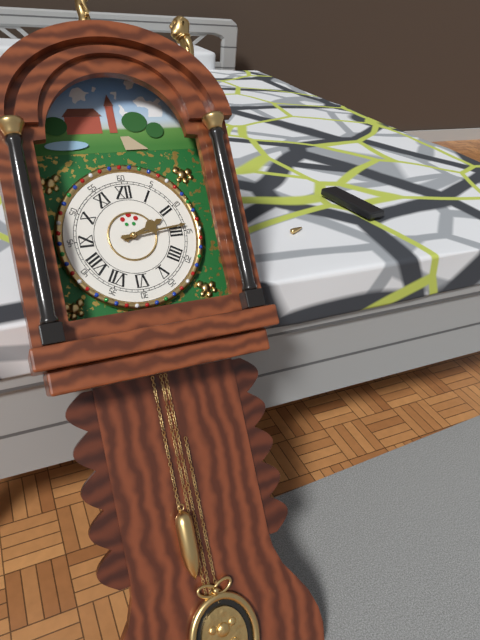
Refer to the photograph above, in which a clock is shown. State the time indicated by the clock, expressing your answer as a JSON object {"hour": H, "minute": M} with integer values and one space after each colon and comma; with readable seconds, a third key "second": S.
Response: {"hour": 2, "minute": 14}
